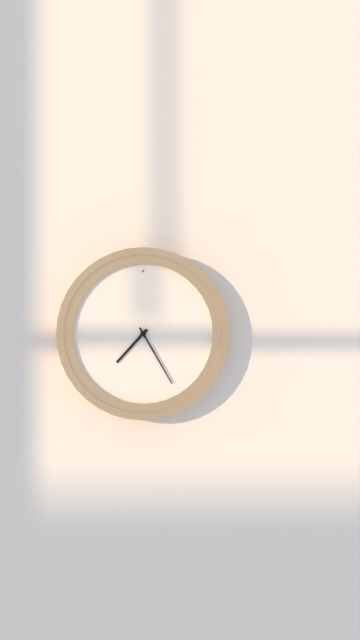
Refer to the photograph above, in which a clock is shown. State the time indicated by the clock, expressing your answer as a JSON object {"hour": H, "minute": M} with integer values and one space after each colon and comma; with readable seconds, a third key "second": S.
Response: {"hour": 7, "minute": 25}
